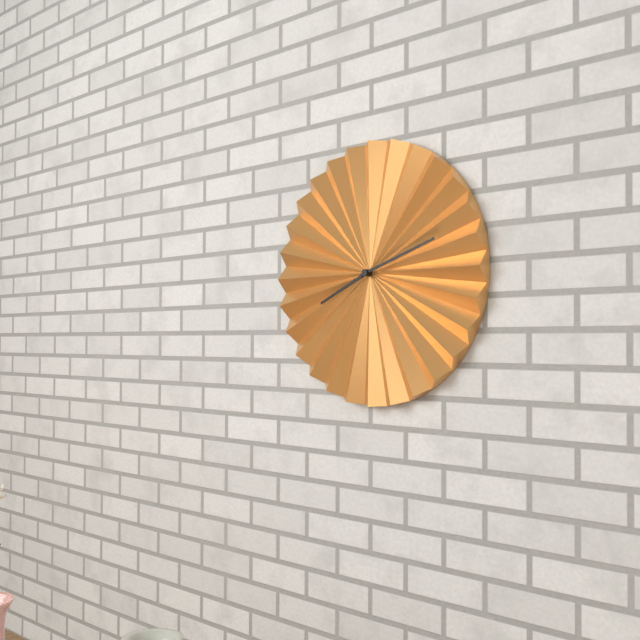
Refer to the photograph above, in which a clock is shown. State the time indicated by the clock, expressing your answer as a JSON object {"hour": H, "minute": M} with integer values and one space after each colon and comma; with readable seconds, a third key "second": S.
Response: {"hour": 8, "minute": 12}
